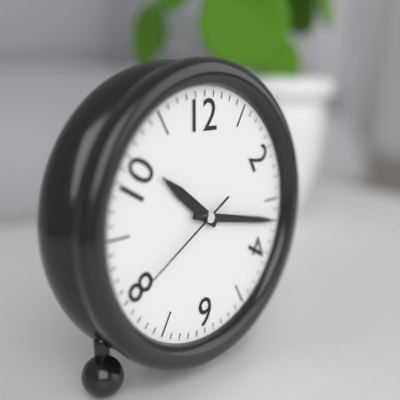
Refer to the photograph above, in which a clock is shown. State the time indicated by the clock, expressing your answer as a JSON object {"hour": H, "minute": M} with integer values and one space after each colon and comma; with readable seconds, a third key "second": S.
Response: {"hour": 10, "minute": 17, "second": 40}
